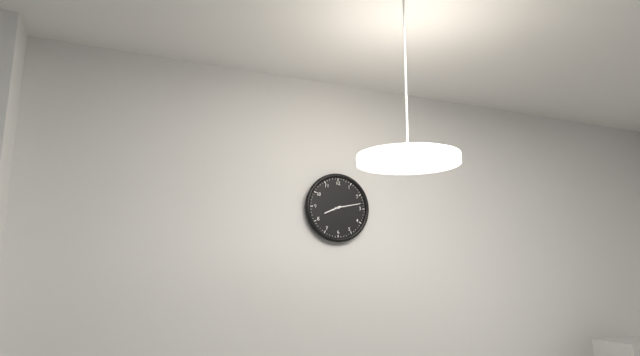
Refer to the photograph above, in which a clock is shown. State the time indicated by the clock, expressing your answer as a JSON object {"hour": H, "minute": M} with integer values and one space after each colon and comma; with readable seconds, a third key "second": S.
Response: {"hour": 8, "minute": 13}
